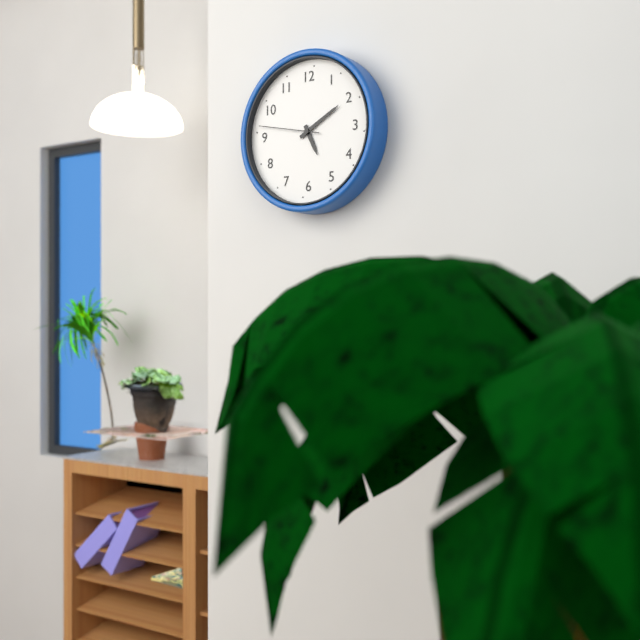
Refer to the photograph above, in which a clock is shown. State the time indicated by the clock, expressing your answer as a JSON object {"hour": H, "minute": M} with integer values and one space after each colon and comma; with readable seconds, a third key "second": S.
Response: {"hour": 5, "minute": 10, "second": 47}
